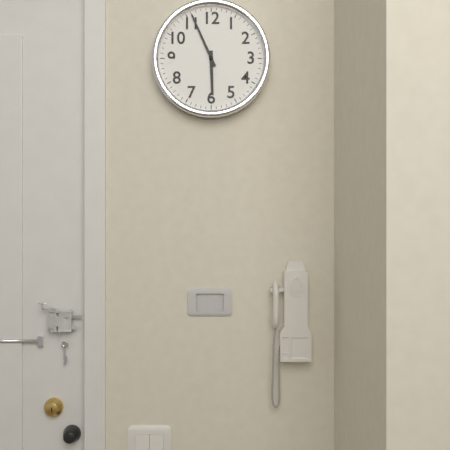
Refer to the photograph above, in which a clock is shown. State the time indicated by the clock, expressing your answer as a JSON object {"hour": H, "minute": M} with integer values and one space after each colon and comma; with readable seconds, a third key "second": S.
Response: {"hour": 5, "minute": 56}
